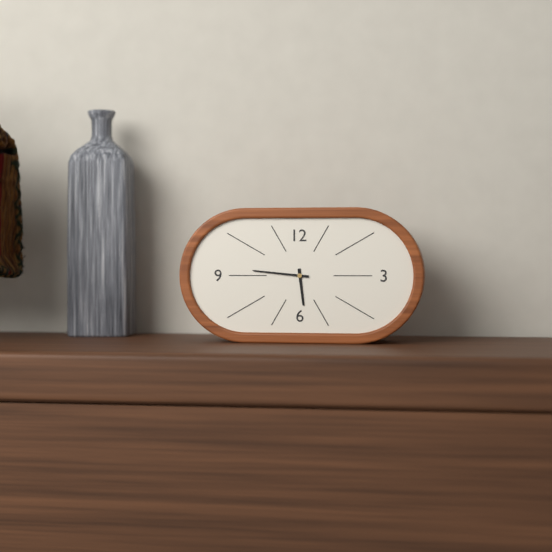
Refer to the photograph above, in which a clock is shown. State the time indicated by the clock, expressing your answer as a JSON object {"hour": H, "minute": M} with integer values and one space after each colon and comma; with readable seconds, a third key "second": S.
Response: {"hour": 5, "minute": 46}
